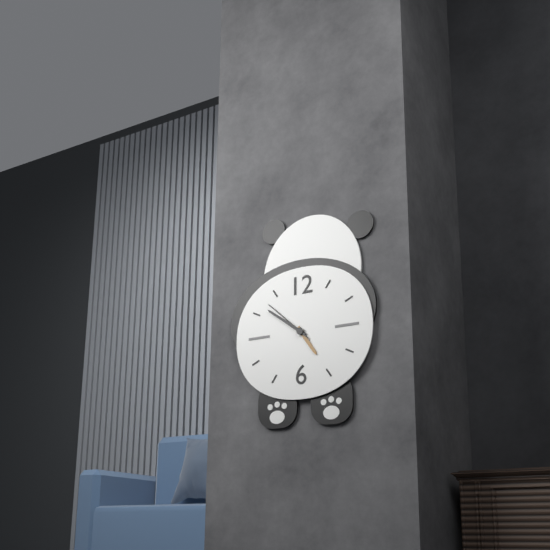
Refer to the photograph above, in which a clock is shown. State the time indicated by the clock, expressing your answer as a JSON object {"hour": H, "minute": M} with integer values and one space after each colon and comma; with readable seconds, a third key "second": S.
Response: {"hour": 4, "minute": 51, "second": 52}
